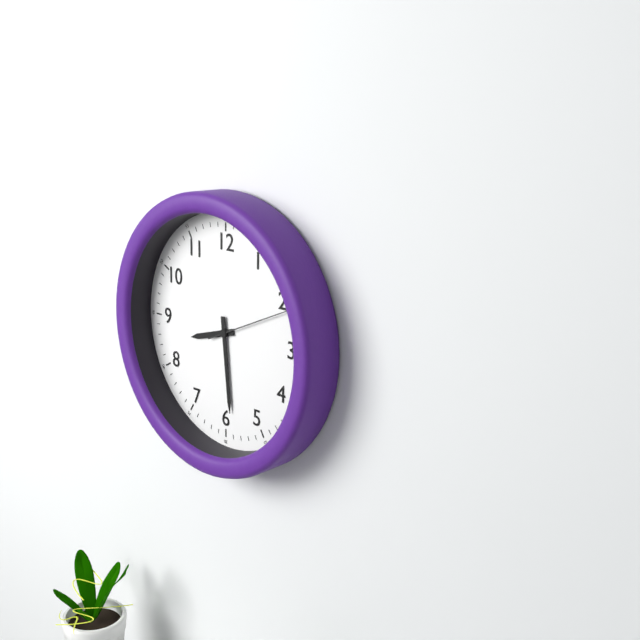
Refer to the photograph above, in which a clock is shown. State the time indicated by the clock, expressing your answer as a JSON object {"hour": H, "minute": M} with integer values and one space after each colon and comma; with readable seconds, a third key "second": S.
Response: {"hour": 8, "minute": 29, "second": 11}
